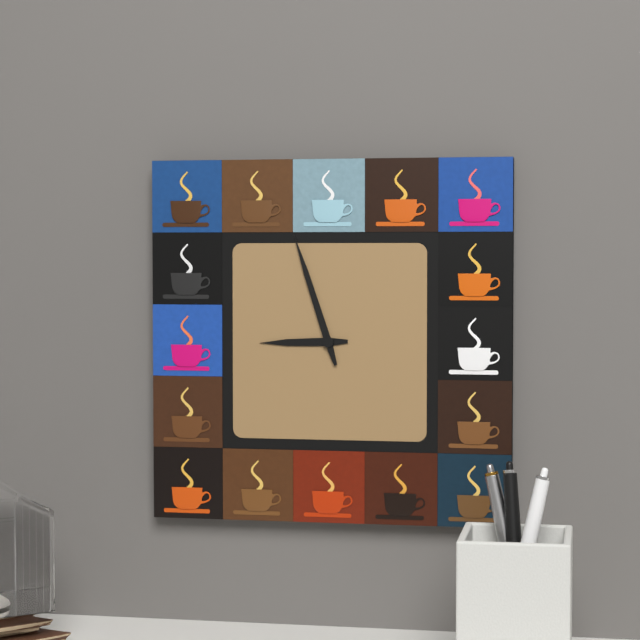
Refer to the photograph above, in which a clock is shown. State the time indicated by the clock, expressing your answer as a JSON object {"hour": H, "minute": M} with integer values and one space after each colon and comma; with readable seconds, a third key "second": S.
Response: {"hour": 8, "minute": 57}
